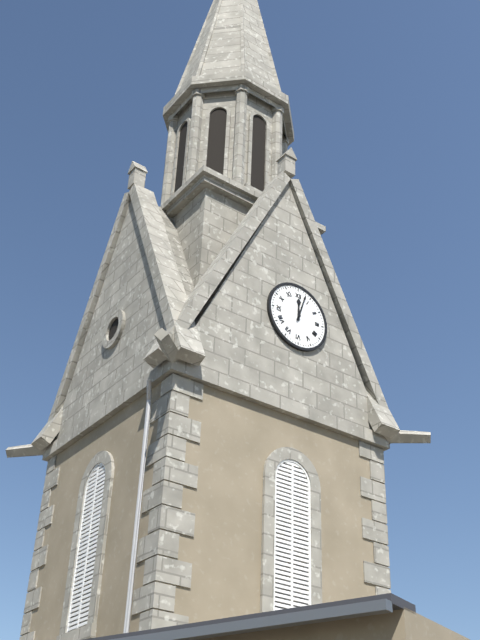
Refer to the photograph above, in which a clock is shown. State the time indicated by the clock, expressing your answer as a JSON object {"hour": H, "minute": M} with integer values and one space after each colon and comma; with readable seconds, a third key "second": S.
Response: {"hour": 12, "minute": 3}
